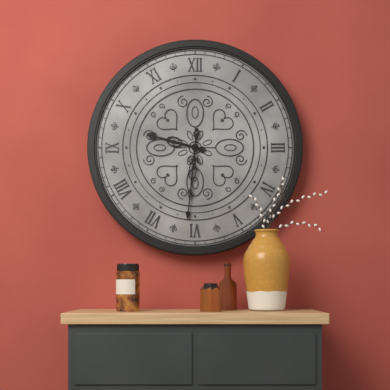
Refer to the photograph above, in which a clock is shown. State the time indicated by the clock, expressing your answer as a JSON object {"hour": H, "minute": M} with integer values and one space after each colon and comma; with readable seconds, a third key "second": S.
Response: {"hour": 9, "minute": 31}
